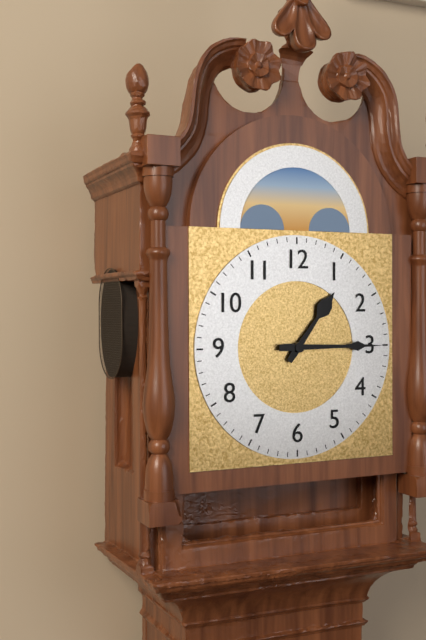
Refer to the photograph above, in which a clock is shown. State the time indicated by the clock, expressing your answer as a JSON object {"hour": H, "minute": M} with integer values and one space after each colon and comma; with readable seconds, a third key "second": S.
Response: {"hour": 1, "minute": 15}
